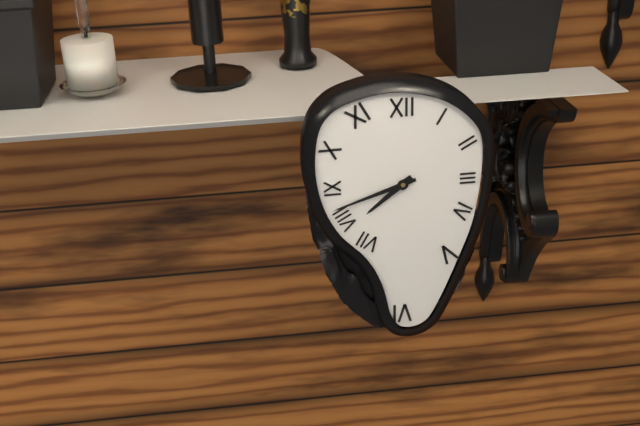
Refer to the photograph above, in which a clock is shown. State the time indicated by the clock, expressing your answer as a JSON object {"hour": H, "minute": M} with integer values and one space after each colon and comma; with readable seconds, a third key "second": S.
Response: {"hour": 7, "minute": 42}
